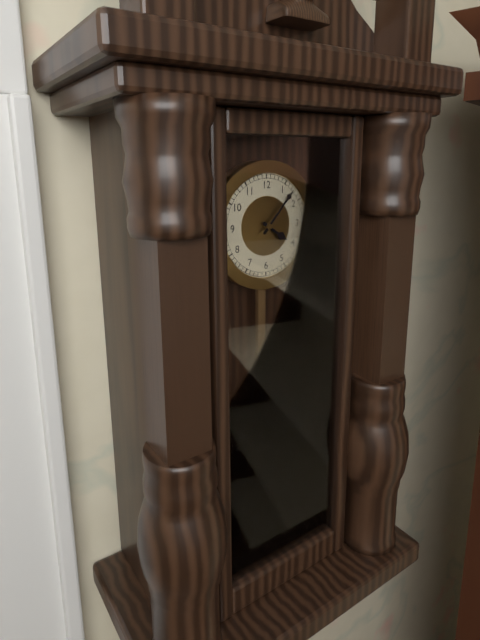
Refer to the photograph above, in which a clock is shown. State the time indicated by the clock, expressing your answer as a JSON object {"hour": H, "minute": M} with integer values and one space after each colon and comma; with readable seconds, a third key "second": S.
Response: {"hour": 4, "minute": 7}
